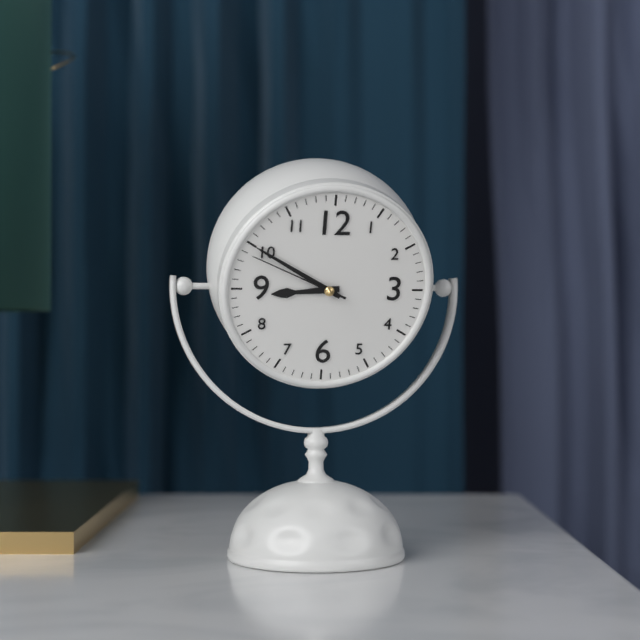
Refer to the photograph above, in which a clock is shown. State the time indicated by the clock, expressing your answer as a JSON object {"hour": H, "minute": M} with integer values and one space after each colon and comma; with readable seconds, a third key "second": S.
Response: {"hour": 8, "minute": 50, "second": 49}
